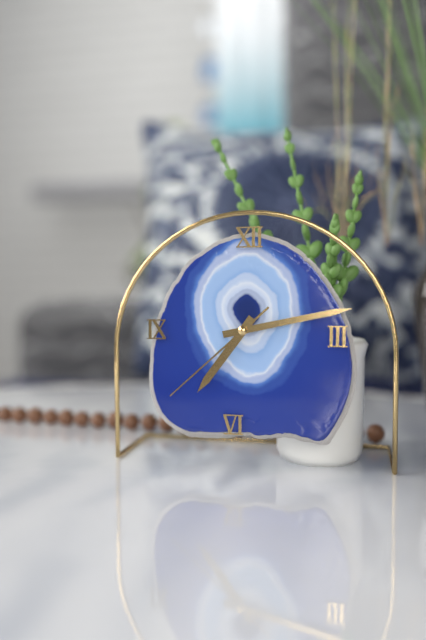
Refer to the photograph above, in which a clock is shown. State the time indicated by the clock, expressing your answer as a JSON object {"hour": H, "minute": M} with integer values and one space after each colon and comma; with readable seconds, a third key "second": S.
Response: {"hour": 7, "minute": 13, "second": 38}
